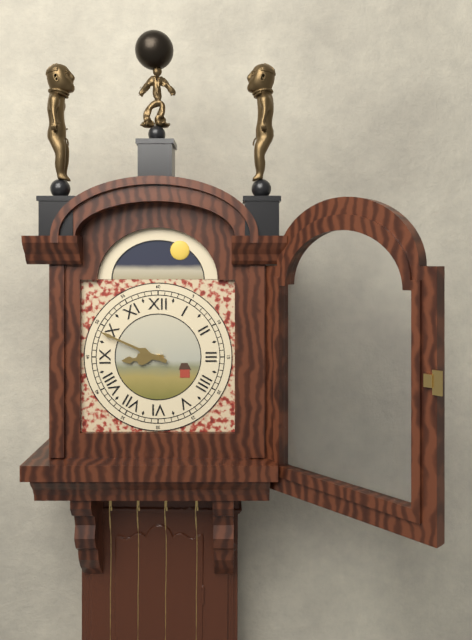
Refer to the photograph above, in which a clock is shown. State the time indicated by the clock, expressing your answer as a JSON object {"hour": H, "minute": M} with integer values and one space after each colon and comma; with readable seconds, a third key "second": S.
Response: {"hour": 8, "minute": 49}
